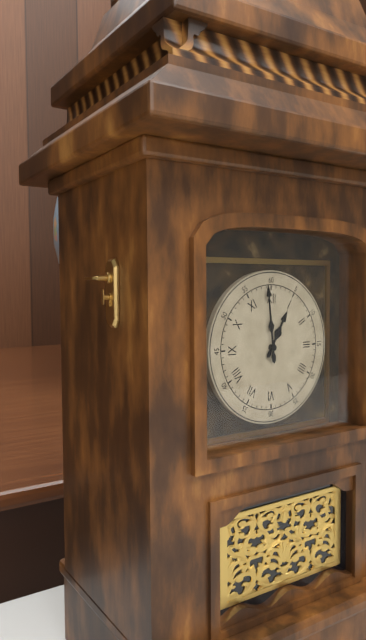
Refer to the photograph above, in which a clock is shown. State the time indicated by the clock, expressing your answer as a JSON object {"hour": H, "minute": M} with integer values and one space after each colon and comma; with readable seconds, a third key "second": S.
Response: {"hour": 12, "minute": 59}
